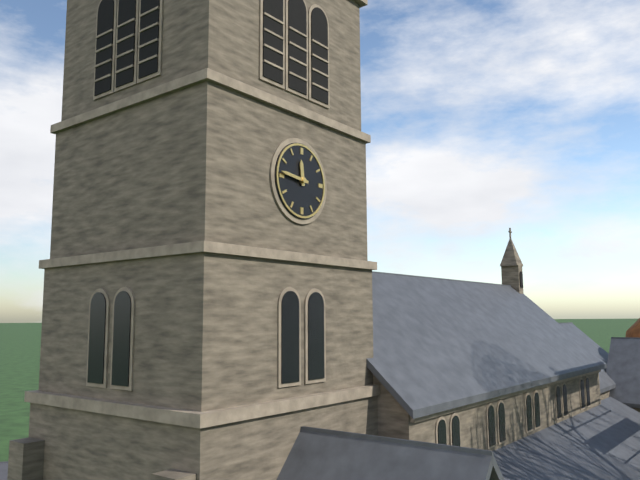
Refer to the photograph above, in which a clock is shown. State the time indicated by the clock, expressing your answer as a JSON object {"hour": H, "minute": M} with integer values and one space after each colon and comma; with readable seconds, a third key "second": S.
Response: {"hour": 11, "minute": 46}
